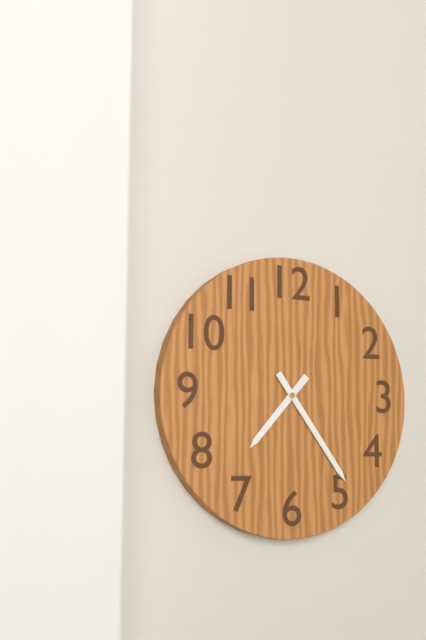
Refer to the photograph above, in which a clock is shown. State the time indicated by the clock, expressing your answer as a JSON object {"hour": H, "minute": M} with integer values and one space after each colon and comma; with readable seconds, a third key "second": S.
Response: {"hour": 7, "minute": 24}
